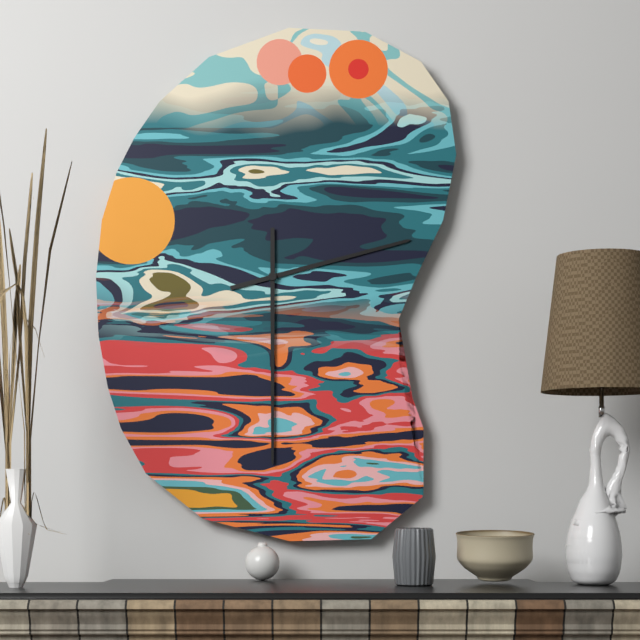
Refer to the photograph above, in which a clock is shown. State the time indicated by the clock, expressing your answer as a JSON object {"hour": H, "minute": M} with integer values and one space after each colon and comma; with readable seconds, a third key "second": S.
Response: {"hour": 2, "minute": 30}
